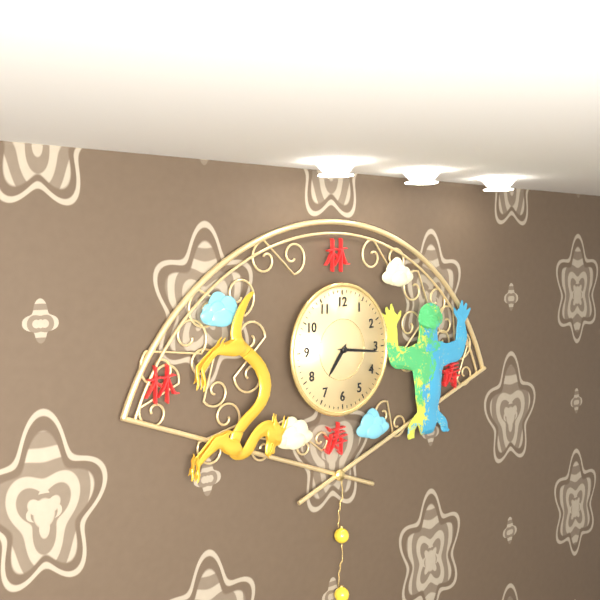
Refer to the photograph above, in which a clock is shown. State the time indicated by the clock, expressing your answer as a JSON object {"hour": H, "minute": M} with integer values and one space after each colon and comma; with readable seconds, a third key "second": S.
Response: {"hour": 7, "minute": 16}
